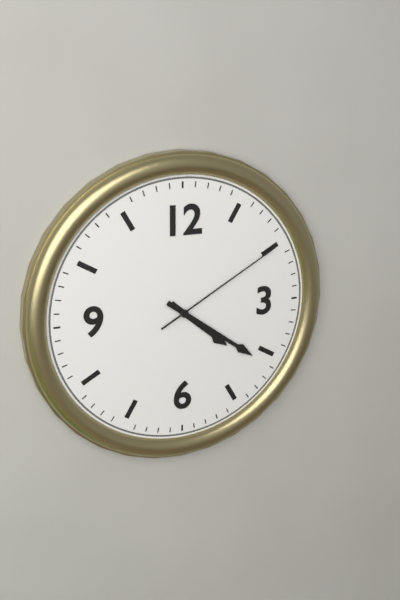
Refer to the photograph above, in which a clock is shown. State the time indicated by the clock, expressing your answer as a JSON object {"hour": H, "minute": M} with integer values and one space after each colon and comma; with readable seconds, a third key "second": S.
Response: {"hour": 4, "minute": 21, "second": 10}
